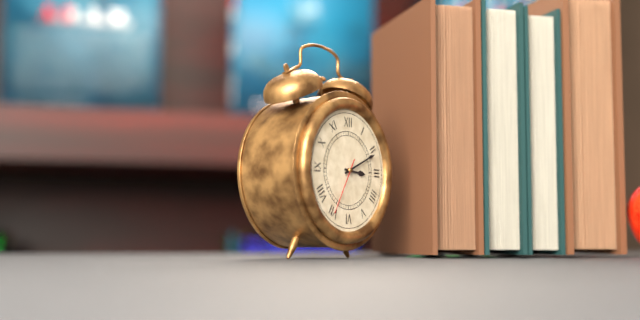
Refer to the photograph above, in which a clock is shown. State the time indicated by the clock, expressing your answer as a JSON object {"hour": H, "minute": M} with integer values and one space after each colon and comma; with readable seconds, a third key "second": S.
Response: {"hour": 3, "minute": 11, "second": 35}
